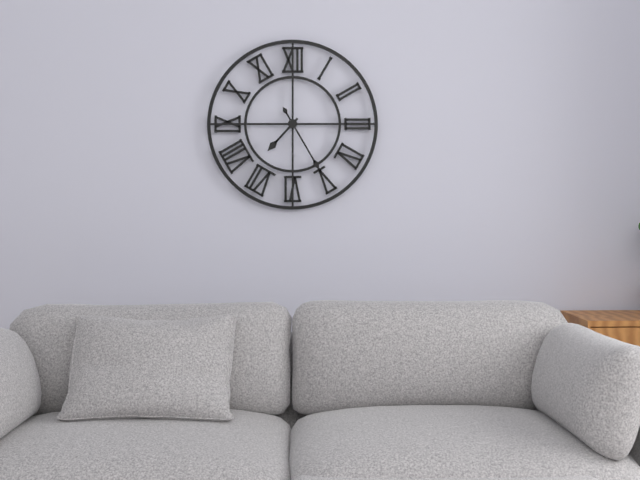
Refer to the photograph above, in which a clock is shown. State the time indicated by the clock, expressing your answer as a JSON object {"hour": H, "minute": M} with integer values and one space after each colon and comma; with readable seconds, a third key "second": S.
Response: {"hour": 7, "minute": 25}
